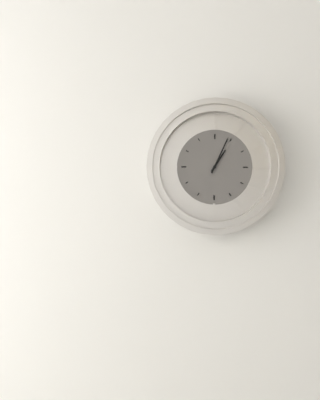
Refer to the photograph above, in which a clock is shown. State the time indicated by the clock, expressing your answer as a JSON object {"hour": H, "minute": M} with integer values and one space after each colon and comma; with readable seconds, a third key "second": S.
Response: {"hour": 1, "minute": 4}
